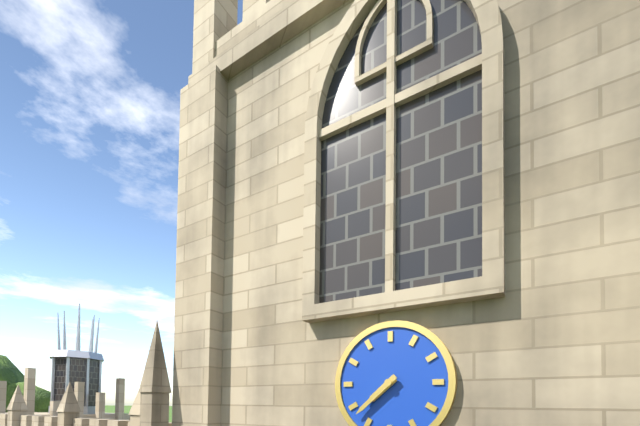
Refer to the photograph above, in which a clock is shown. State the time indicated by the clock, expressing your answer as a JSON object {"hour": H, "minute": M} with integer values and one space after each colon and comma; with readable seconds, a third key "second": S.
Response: {"hour": 7, "minute": 38}
